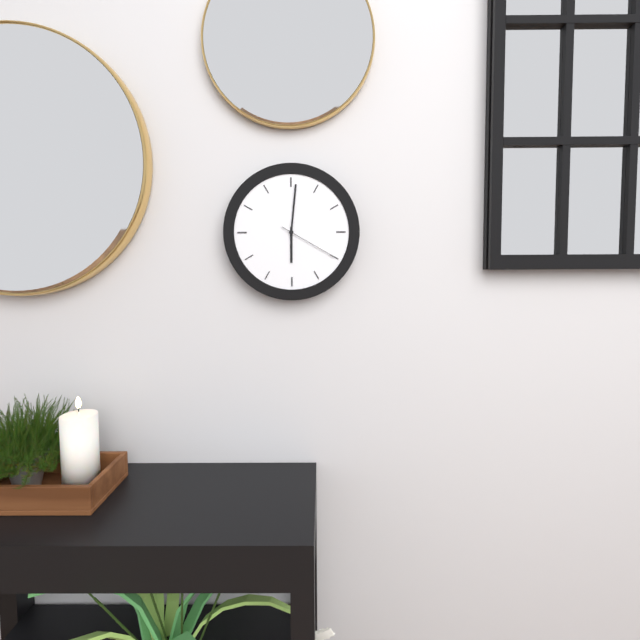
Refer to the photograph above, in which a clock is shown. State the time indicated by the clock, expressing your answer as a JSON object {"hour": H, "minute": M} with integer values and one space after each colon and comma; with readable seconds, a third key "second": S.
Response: {"hour": 6, "minute": 1, "second": 20}
